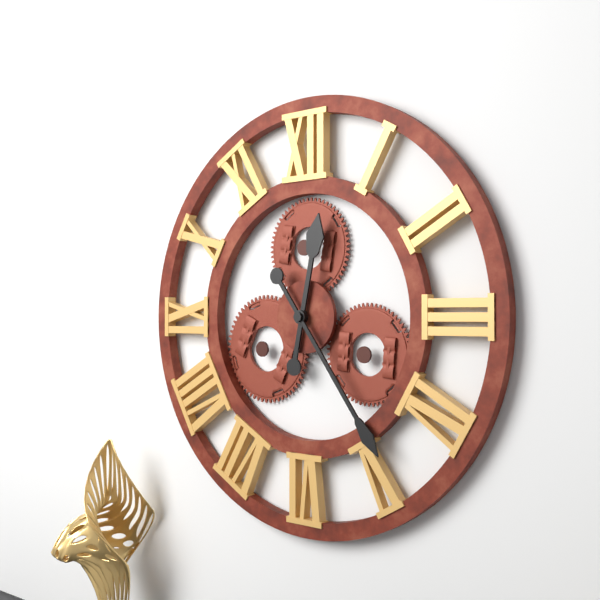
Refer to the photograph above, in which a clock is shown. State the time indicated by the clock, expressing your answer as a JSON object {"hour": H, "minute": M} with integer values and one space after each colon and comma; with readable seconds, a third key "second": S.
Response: {"hour": 12, "minute": 24}
